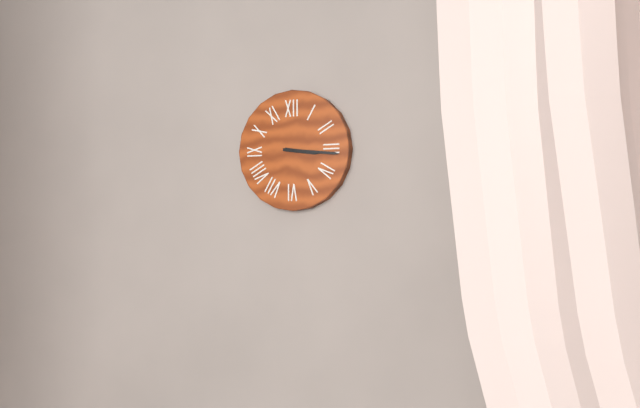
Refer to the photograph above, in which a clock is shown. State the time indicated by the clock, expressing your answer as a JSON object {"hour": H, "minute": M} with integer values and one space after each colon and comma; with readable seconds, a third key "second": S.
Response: {"hour": 3, "minute": 16}
